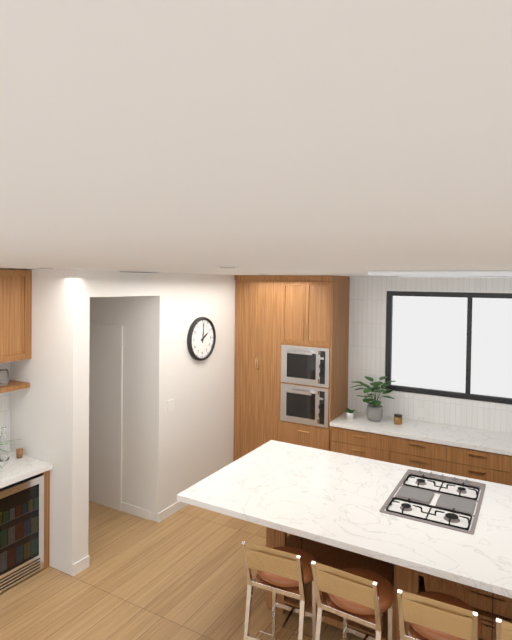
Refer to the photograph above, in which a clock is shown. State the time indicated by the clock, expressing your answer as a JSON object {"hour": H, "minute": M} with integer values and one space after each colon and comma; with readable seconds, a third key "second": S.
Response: {"hour": 2, "minute": 1}
